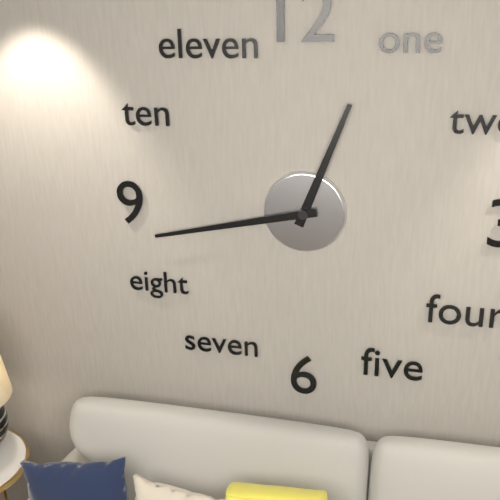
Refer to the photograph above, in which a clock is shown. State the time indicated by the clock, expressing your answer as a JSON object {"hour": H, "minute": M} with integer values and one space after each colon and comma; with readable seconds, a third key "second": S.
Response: {"hour": 12, "minute": 43}
